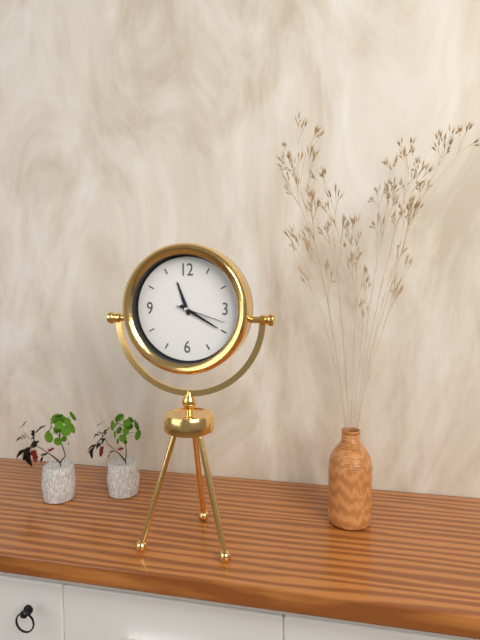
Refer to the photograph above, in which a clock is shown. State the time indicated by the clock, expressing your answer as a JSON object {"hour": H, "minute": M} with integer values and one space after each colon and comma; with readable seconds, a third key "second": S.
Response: {"hour": 11, "minute": 20, "second": 18}
